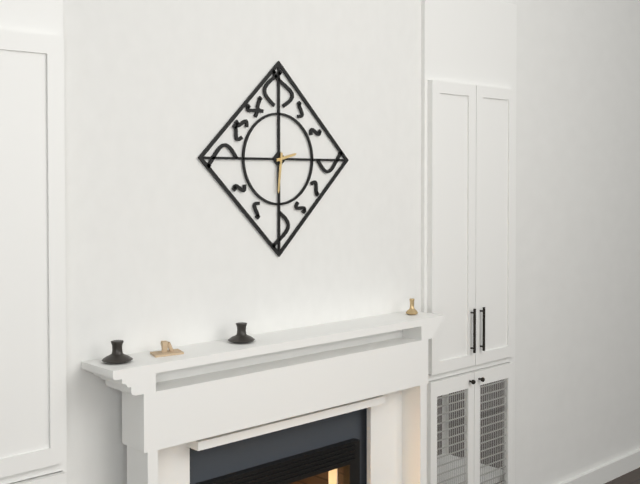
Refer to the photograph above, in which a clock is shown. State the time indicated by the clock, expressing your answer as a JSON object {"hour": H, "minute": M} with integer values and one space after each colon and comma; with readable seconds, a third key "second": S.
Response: {"hour": 2, "minute": 31}
